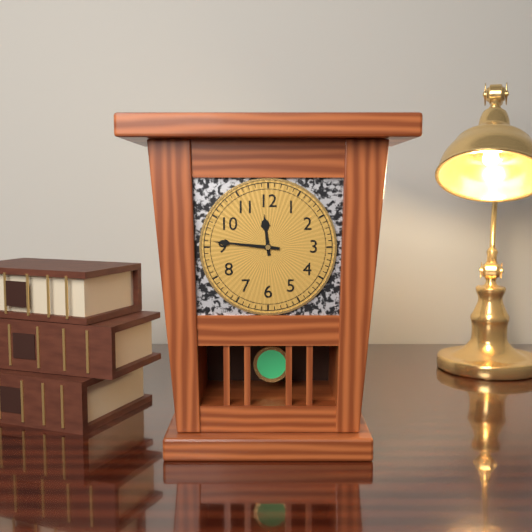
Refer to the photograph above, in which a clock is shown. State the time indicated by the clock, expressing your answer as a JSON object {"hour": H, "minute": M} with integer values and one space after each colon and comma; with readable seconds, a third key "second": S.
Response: {"hour": 11, "minute": 46}
